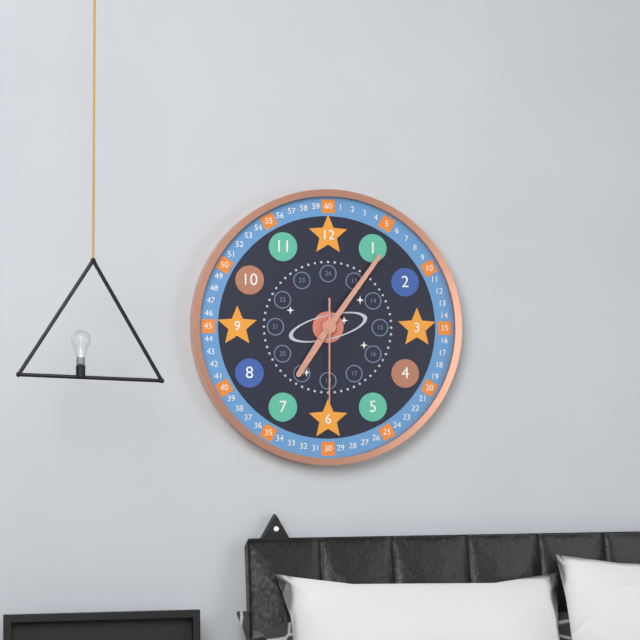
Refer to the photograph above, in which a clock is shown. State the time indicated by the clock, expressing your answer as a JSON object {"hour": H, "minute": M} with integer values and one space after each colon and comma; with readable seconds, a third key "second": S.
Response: {"hour": 7, "minute": 6, "second": 30}
